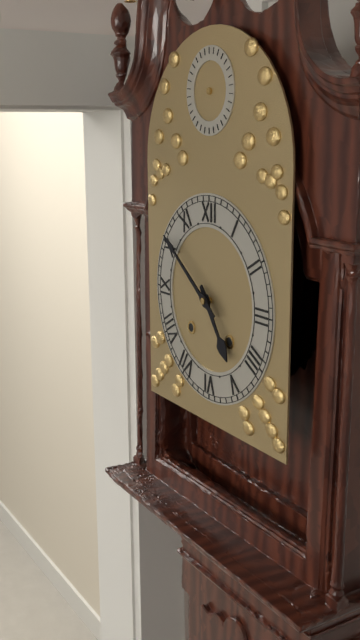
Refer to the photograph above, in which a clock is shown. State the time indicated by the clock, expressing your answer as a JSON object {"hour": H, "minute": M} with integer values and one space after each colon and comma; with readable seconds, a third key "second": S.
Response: {"hour": 4, "minute": 51}
